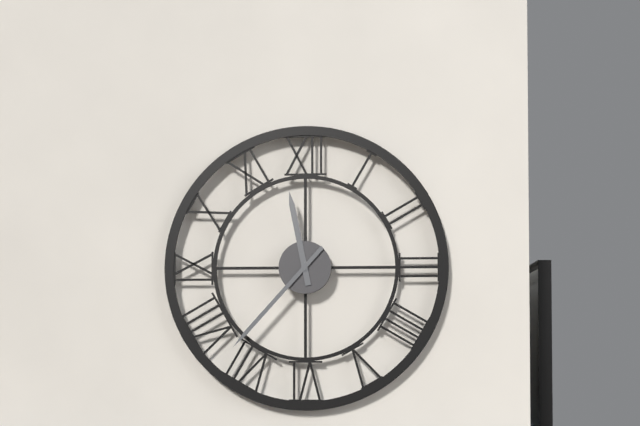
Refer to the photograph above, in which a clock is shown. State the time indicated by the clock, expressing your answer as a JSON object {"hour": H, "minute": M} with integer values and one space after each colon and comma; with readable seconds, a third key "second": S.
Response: {"hour": 11, "minute": 37}
